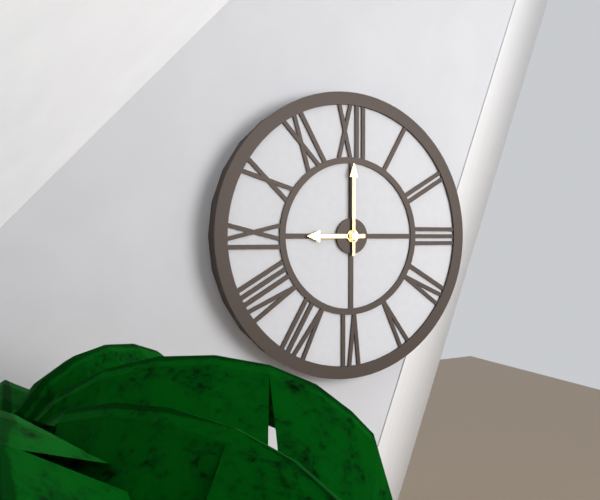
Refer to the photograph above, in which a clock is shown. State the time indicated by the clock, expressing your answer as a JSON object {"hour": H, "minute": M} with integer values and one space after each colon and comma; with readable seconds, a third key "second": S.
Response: {"hour": 9, "minute": 0}
